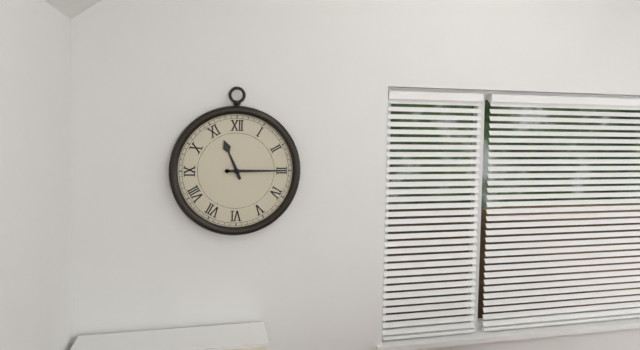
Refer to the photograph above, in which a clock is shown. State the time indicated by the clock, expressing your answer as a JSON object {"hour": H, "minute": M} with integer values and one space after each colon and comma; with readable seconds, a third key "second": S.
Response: {"hour": 11, "minute": 15}
